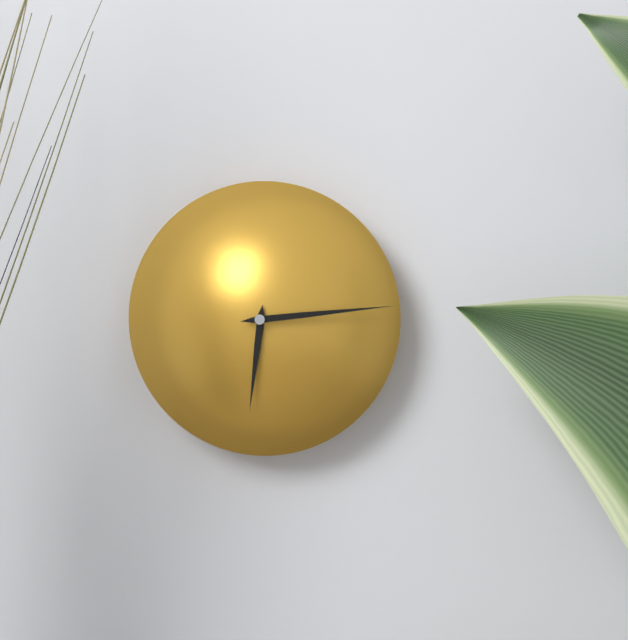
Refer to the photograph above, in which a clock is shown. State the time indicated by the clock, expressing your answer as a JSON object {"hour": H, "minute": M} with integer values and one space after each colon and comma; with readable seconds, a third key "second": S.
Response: {"hour": 6, "minute": 14}
